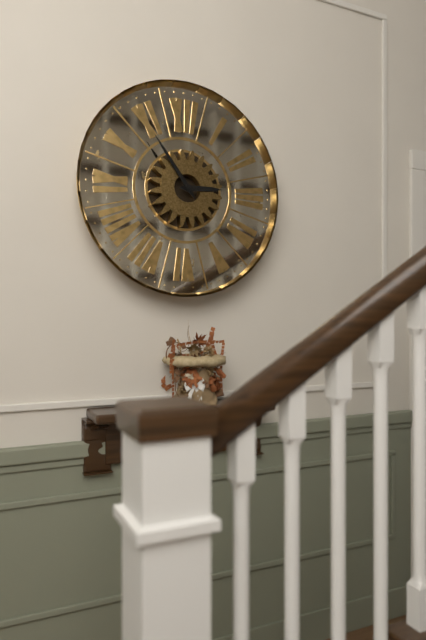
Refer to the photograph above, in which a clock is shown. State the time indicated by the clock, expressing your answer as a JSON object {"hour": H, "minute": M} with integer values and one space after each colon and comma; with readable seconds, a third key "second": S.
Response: {"hour": 2, "minute": 54}
